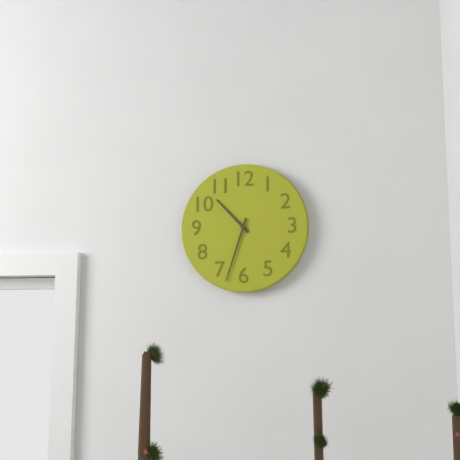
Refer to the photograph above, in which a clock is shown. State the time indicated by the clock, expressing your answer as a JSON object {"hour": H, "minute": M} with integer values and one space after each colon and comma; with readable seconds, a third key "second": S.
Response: {"hour": 10, "minute": 33}
